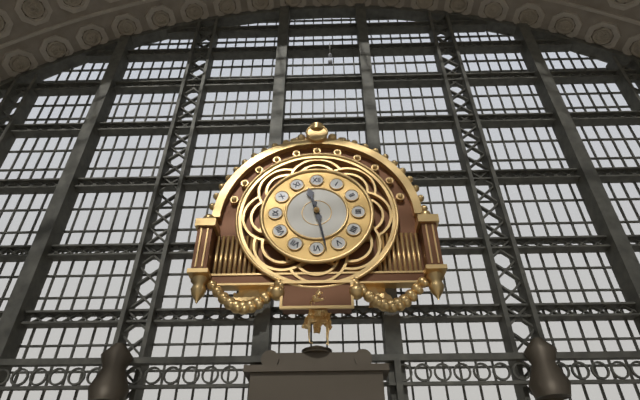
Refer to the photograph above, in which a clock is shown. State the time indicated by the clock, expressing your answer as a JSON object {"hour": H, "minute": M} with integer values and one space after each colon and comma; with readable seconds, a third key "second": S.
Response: {"hour": 11, "minute": 28}
